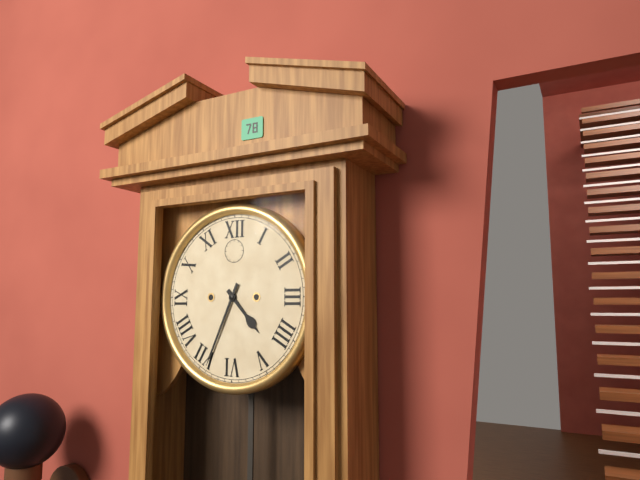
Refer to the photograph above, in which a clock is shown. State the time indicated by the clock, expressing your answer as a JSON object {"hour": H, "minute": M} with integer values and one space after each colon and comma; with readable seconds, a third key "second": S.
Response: {"hour": 4, "minute": 34}
